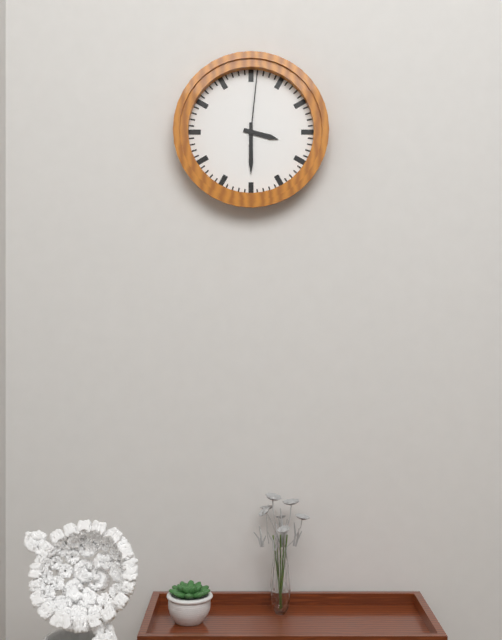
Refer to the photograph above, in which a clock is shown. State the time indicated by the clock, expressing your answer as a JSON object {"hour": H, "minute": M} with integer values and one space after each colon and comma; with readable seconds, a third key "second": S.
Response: {"hour": 3, "minute": 30, "second": 1}
